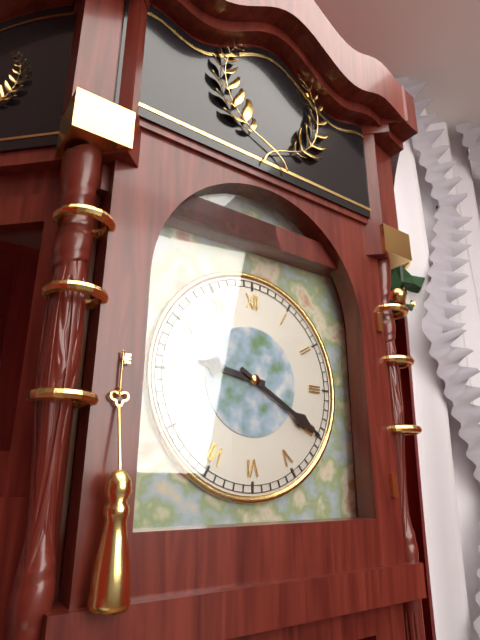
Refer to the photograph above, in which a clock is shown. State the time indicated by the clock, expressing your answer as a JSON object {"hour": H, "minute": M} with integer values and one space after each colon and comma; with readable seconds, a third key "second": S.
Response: {"hour": 9, "minute": 20}
